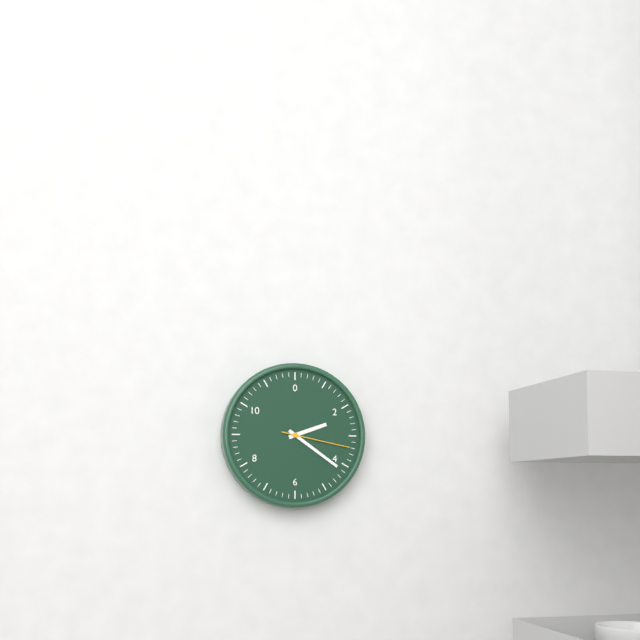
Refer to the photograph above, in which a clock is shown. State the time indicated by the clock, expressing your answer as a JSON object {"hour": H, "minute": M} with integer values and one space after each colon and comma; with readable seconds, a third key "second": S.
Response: {"hour": 2, "minute": 21, "second": 17}
